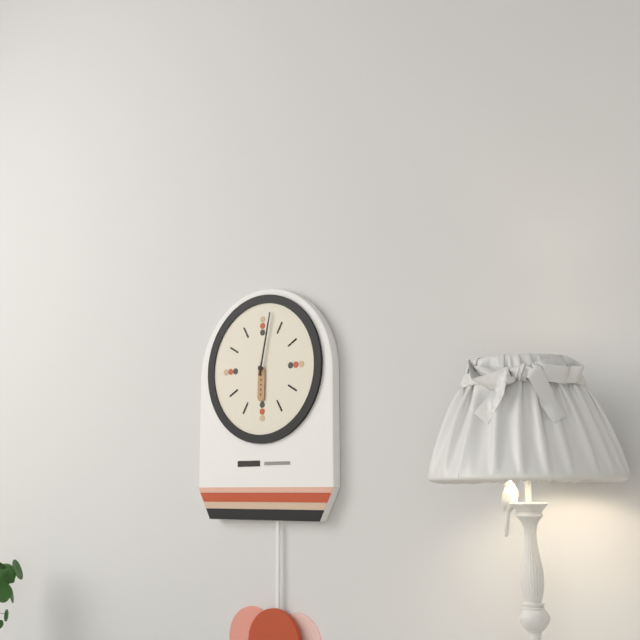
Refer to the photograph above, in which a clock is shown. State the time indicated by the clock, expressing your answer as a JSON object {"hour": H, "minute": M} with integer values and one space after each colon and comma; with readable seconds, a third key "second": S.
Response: {"hour": 6, "minute": 2}
